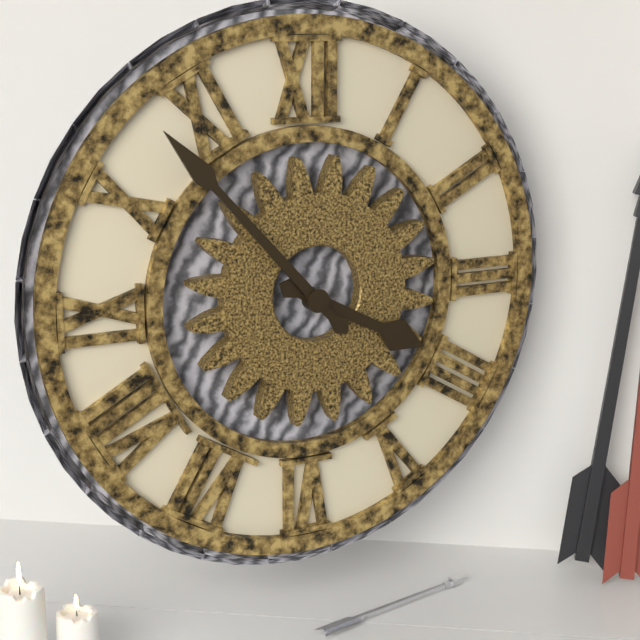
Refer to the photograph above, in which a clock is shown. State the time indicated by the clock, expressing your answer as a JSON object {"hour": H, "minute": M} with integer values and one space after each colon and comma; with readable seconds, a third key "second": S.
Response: {"hour": 3, "minute": 53}
